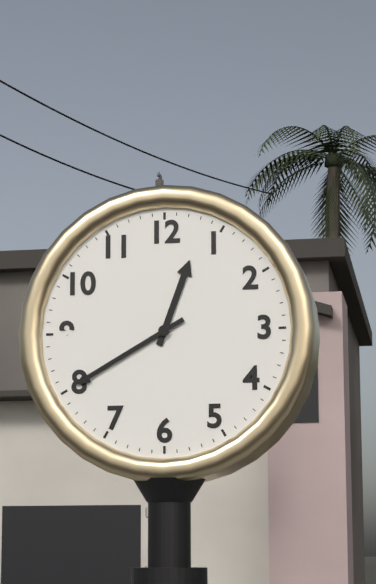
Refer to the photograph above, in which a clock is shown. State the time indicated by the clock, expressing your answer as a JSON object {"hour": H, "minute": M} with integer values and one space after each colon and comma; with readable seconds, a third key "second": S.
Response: {"hour": 12, "minute": 40}
